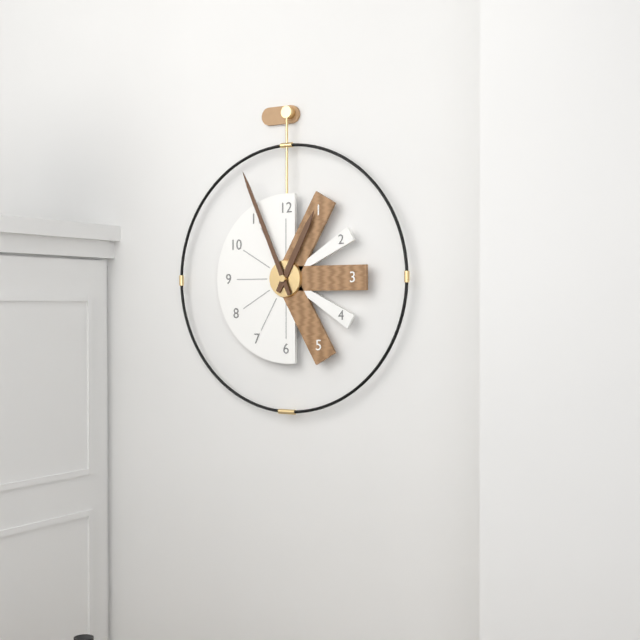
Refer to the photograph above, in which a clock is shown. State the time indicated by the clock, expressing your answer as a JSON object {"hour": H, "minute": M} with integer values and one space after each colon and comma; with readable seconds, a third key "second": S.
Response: {"hour": 12, "minute": 56}
